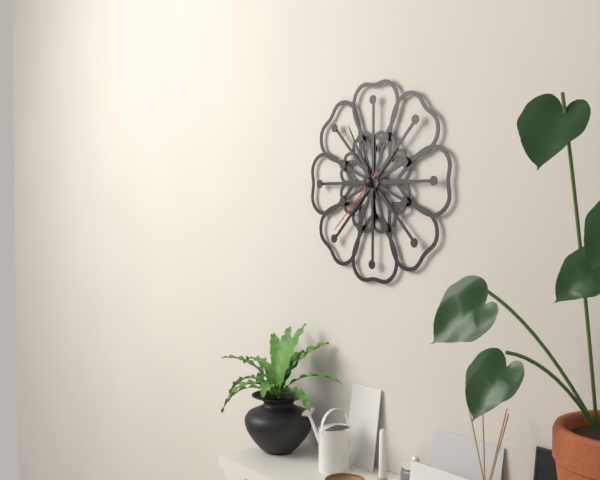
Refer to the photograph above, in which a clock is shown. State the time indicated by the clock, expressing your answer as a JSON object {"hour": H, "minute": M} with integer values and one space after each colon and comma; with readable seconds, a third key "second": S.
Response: {"hour": 5, "minute": 55, "second": 38}
